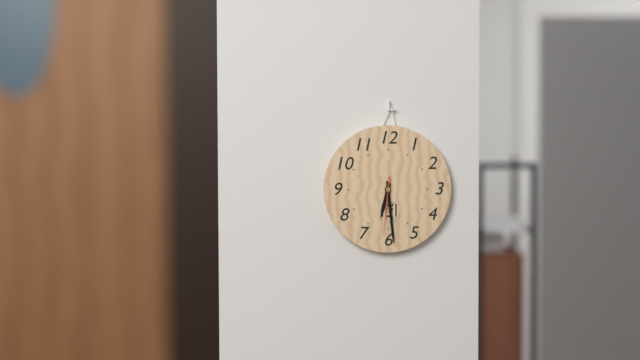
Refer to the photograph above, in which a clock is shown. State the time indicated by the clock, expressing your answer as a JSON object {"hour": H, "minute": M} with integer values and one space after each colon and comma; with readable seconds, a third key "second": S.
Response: {"hour": 6, "minute": 29, "second": 31}
